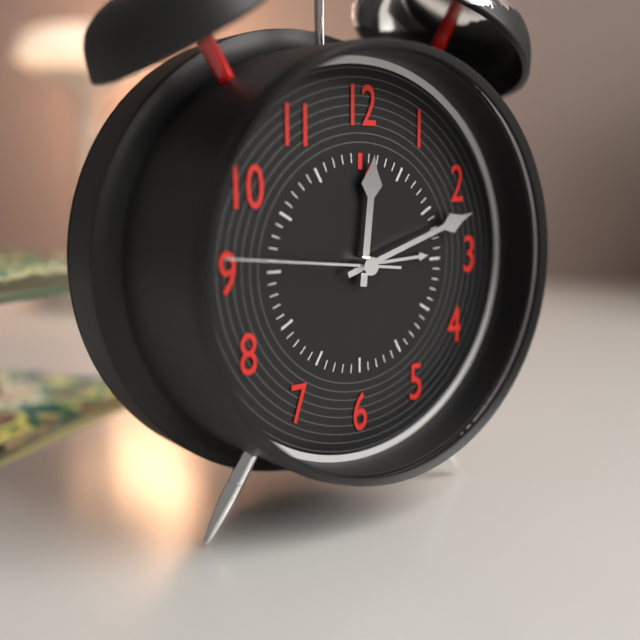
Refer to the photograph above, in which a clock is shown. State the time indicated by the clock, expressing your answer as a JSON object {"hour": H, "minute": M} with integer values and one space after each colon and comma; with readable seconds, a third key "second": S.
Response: {"hour": 12, "minute": 12, "second": 46}
